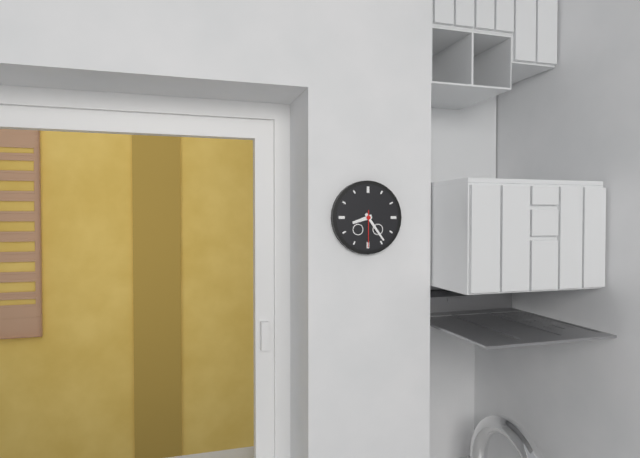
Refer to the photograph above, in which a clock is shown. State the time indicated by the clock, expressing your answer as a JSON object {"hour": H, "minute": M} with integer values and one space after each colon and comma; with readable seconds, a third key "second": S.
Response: {"hour": 8, "minute": 24}
